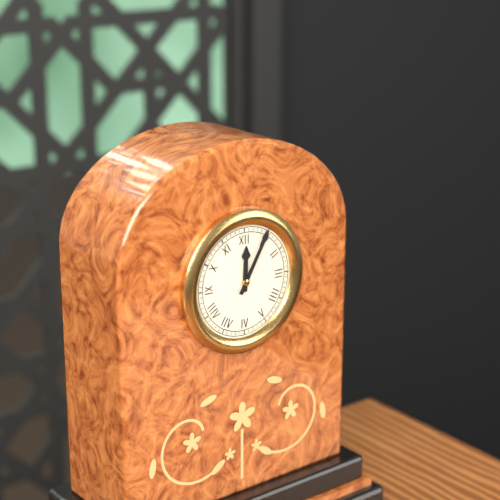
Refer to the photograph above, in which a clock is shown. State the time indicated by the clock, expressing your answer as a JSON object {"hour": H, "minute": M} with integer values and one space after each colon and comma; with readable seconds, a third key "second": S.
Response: {"hour": 12, "minute": 5}
